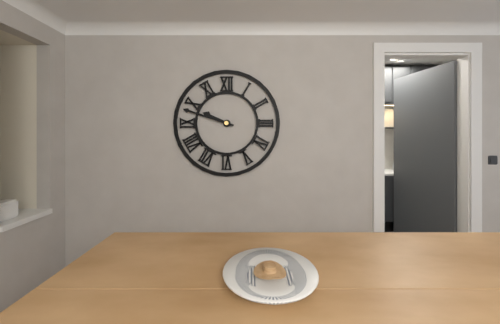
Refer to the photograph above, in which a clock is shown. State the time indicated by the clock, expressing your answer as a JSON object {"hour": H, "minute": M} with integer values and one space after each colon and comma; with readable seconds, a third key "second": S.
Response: {"hour": 9, "minute": 48}
